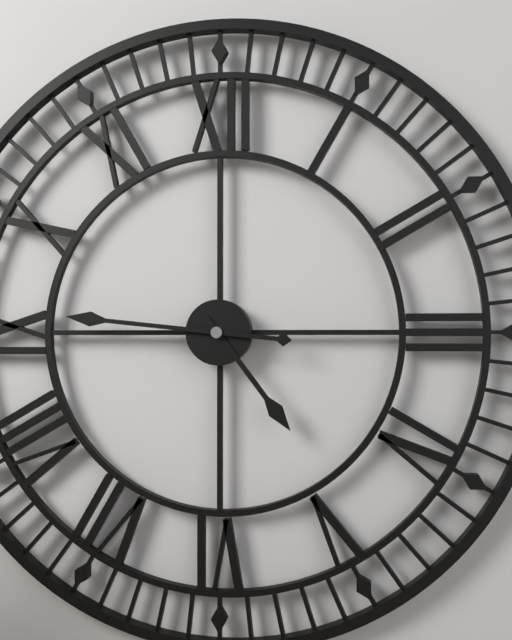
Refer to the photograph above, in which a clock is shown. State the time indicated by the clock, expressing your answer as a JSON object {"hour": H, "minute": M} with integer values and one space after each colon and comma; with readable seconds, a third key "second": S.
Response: {"hour": 4, "minute": 46}
